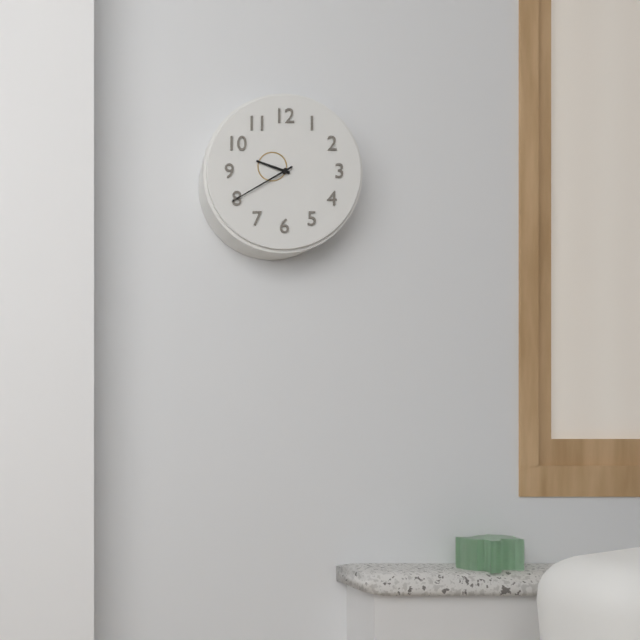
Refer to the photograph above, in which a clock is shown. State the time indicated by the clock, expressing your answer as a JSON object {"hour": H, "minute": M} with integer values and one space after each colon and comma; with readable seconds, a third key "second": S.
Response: {"hour": 9, "minute": 40}
